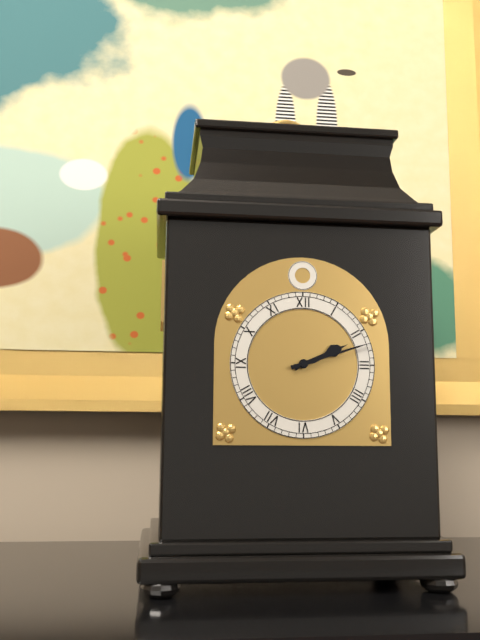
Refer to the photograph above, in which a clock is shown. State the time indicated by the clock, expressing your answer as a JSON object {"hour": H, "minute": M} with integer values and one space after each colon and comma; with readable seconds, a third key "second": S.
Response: {"hour": 2, "minute": 12}
